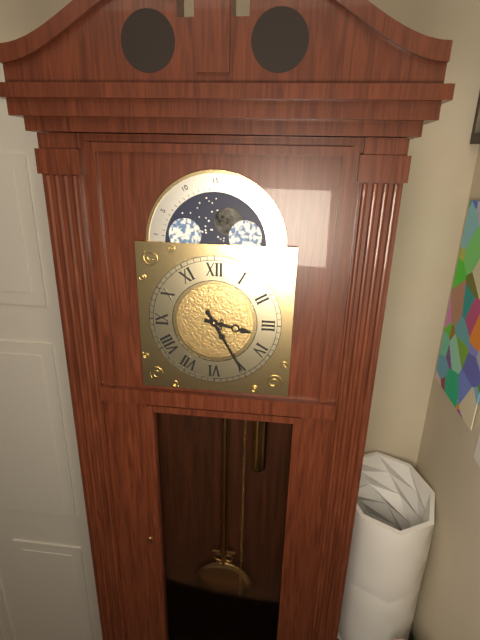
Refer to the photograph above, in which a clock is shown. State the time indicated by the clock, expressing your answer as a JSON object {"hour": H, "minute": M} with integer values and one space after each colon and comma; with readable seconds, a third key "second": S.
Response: {"hour": 3, "minute": 25}
